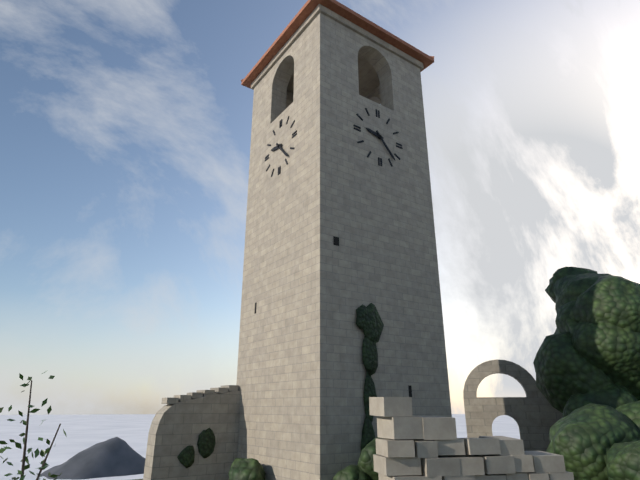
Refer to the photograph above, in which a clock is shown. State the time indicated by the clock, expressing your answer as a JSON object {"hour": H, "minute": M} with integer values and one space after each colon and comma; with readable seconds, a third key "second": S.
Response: {"hour": 9, "minute": 23}
